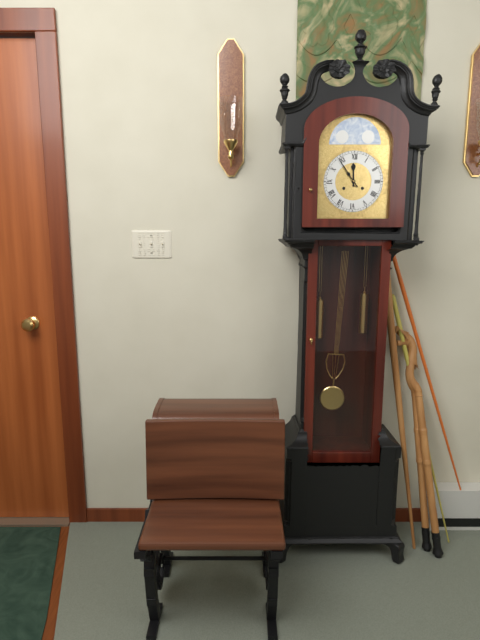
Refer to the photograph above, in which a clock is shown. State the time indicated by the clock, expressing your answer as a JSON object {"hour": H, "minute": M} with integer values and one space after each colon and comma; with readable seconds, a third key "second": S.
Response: {"hour": 11, "minute": 54}
